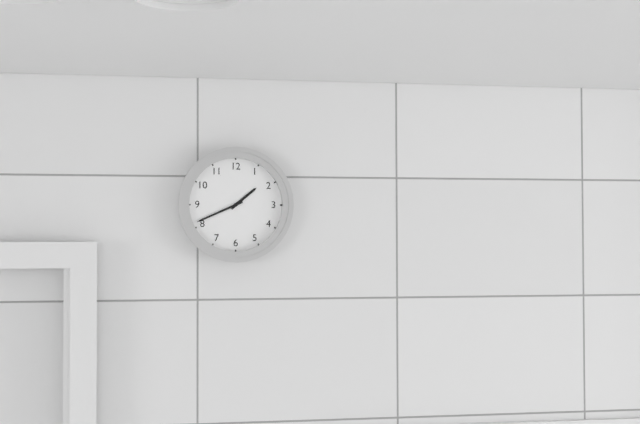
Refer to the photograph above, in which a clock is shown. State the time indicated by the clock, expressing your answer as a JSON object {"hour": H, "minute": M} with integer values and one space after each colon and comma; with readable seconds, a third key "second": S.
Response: {"hour": 1, "minute": 41}
